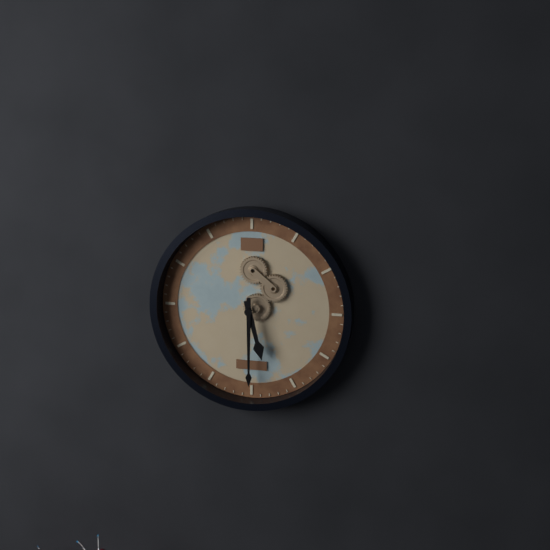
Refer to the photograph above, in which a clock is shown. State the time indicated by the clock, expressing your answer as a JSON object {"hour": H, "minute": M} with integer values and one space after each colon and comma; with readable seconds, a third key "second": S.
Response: {"hour": 5, "minute": 30}
